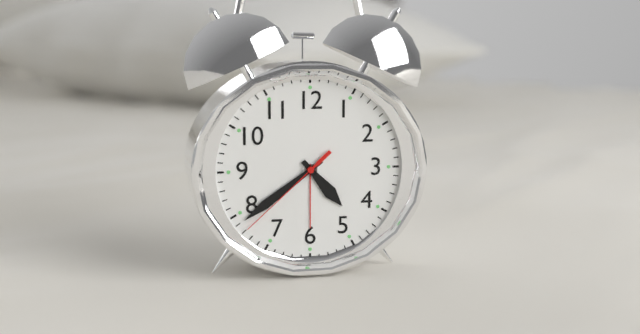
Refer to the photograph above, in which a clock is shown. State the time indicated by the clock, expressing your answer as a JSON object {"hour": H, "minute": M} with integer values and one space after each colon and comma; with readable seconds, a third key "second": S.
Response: {"hour": 4, "minute": 39, "second": 38}
